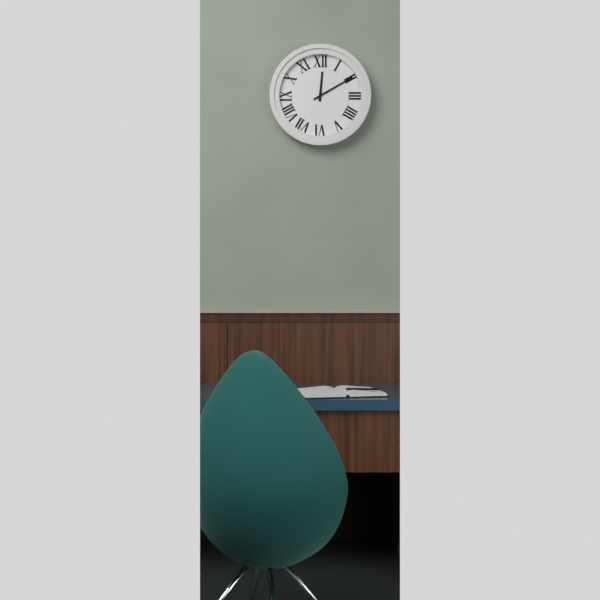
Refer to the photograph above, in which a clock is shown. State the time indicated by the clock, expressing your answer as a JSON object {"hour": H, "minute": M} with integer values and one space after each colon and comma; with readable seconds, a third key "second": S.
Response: {"hour": 12, "minute": 10}
